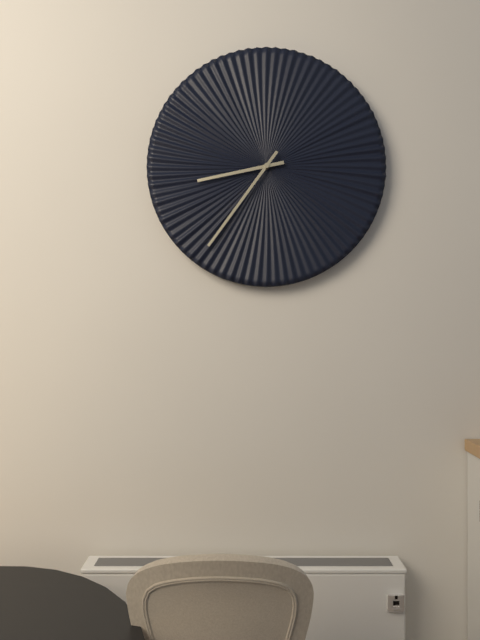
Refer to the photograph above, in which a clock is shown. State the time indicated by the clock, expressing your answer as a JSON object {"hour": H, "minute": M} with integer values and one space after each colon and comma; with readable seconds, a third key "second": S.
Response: {"hour": 8, "minute": 36}
